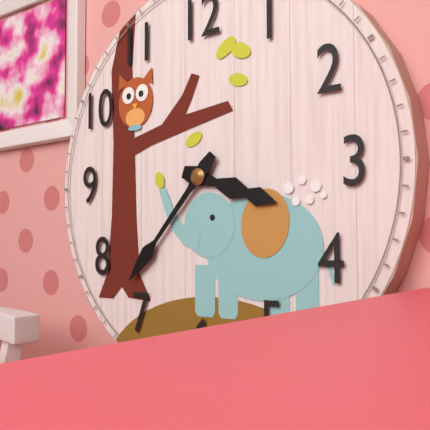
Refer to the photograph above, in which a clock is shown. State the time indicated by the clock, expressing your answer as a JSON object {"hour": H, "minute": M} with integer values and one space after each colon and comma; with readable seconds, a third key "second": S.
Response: {"hour": 3, "minute": 37}
